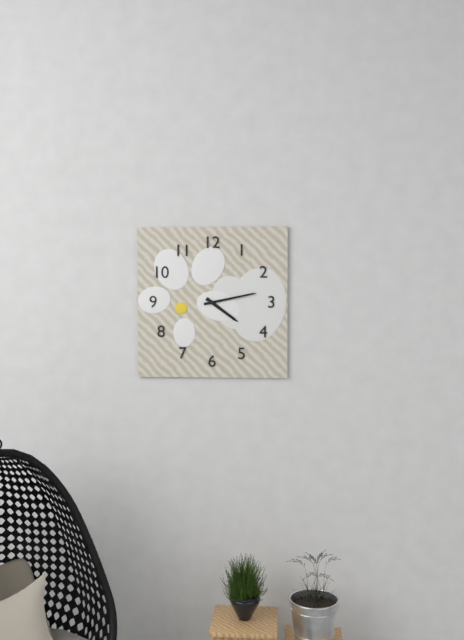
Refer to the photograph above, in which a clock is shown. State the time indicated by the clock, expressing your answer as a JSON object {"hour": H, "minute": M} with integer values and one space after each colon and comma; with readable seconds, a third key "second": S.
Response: {"hour": 4, "minute": 13}
